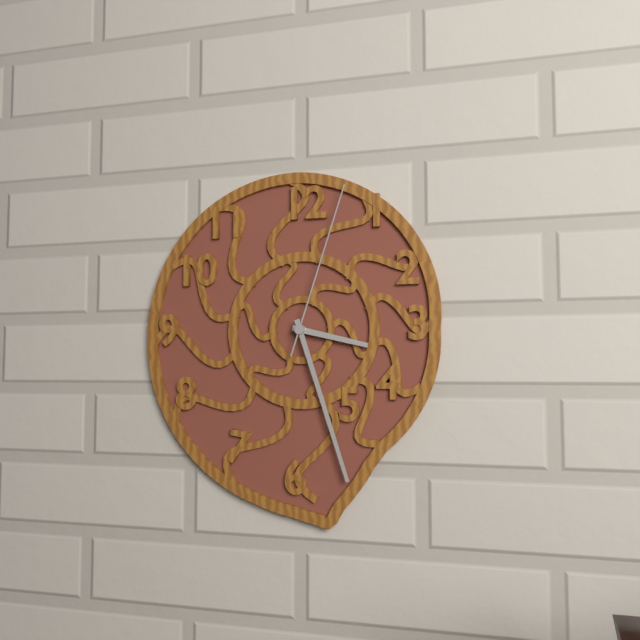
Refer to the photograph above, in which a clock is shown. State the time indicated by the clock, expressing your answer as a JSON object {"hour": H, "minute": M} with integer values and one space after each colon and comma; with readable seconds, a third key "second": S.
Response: {"hour": 3, "minute": 27, "second": 3}
